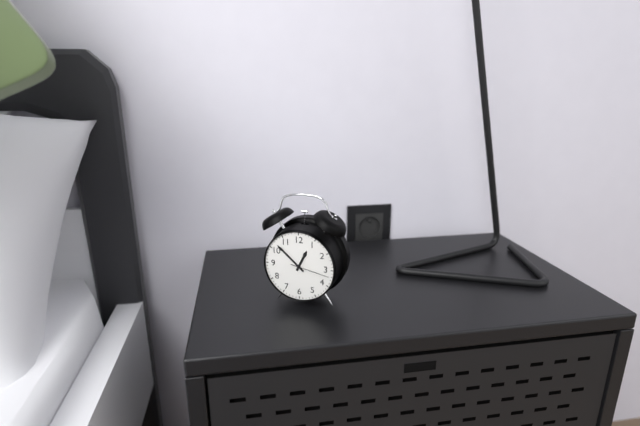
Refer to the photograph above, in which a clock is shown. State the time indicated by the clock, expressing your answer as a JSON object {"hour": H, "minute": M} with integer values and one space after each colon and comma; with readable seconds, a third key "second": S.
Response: {"hour": 12, "minute": 52}
